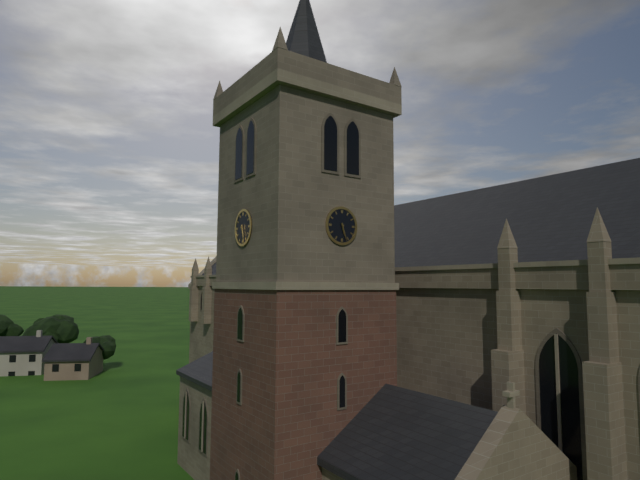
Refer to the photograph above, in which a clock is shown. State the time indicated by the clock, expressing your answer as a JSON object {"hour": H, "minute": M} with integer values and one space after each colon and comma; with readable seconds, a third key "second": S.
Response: {"hour": 5, "minute": 27}
